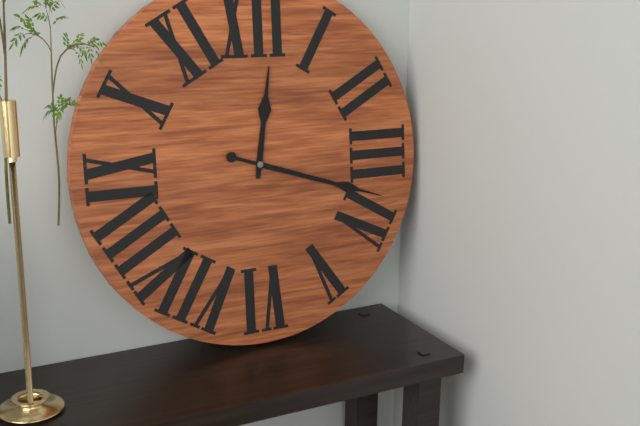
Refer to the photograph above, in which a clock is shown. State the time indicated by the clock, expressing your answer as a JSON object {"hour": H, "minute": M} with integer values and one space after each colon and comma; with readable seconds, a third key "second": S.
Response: {"hour": 12, "minute": 18}
